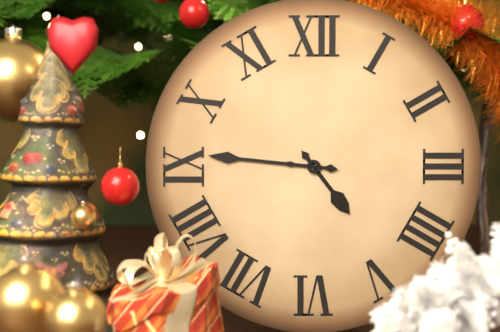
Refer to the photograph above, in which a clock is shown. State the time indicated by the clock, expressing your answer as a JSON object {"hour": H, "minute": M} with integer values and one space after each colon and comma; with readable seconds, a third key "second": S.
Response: {"hour": 4, "minute": 46}
